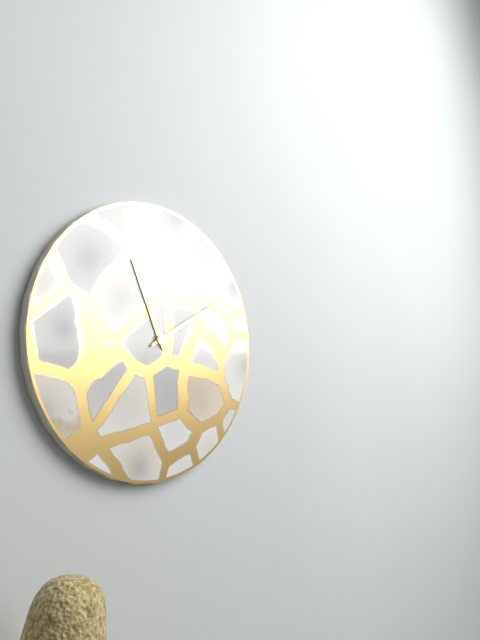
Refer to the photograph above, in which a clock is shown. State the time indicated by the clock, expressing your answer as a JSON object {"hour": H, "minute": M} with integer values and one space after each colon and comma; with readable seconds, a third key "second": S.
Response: {"hour": 11, "minute": 10}
